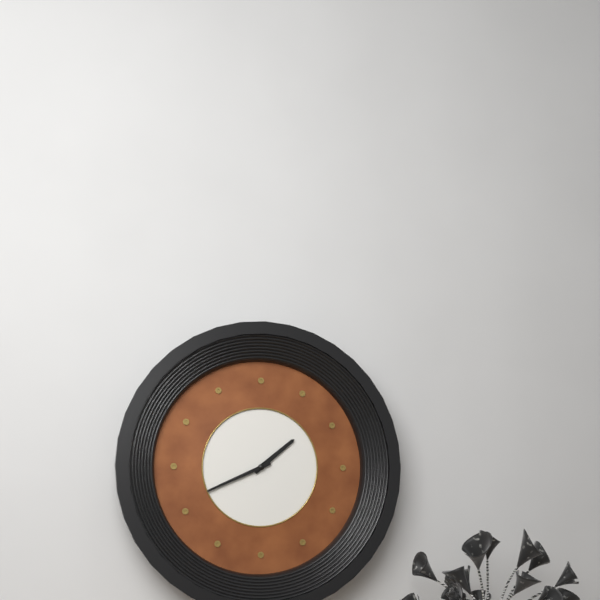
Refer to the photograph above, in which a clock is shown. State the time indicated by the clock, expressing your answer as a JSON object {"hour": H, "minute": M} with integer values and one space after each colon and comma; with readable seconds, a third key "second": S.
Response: {"hour": 1, "minute": 41}
